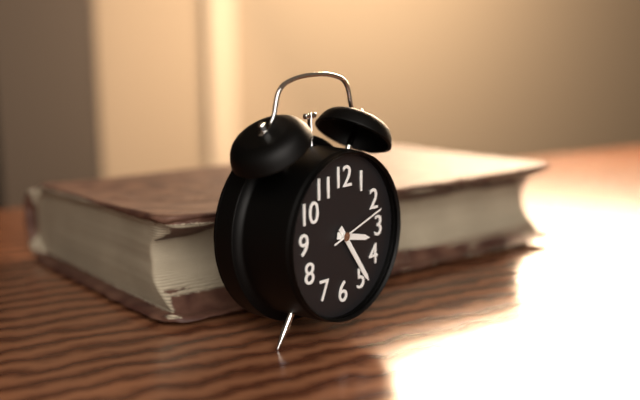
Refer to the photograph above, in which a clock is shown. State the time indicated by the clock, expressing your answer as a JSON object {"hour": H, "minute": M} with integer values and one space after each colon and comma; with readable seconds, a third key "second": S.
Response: {"hour": 3, "minute": 24, "second": 12}
